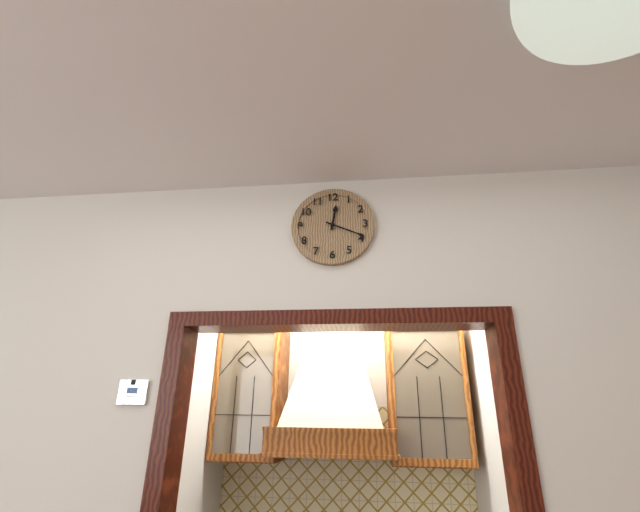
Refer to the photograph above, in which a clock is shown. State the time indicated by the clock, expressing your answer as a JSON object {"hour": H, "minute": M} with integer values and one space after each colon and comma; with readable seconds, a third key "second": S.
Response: {"hour": 12, "minute": 19}
